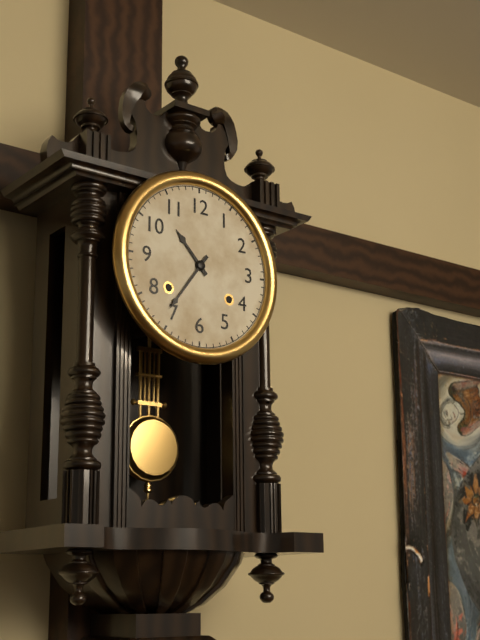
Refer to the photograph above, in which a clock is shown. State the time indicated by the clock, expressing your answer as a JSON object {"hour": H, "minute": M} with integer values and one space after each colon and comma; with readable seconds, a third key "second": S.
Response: {"hour": 10, "minute": 36}
